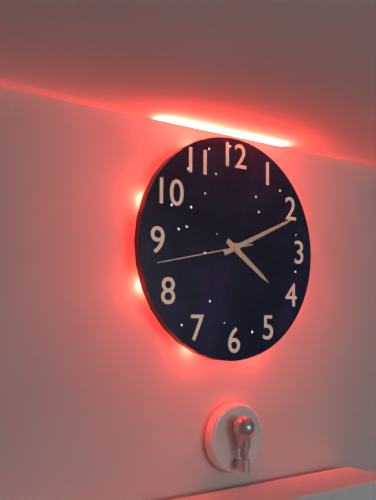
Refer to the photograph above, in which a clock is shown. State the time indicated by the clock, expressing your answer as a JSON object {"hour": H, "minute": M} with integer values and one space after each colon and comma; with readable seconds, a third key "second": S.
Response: {"hour": 4, "minute": 11, "second": 43}
